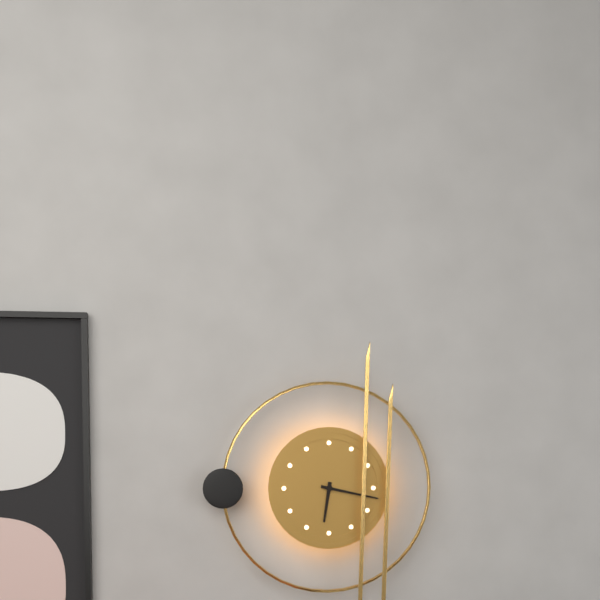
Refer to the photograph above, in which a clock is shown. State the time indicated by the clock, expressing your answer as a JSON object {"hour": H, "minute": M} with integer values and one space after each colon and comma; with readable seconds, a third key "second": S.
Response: {"hour": 6, "minute": 17}
